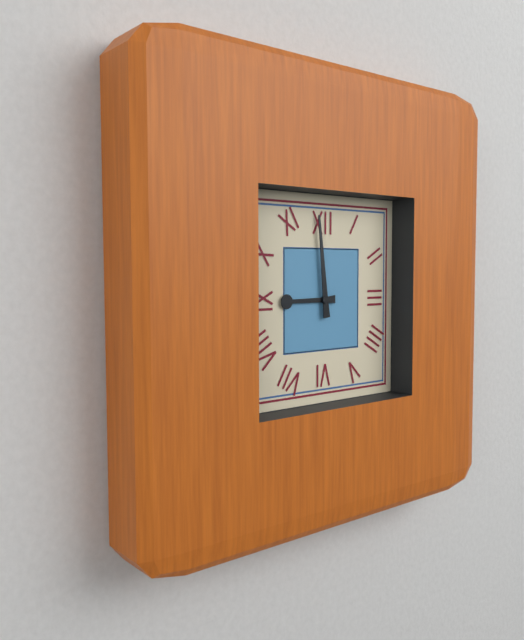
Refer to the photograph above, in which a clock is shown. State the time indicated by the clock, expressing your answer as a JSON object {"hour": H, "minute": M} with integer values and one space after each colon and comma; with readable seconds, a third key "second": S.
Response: {"hour": 8, "minute": 59}
